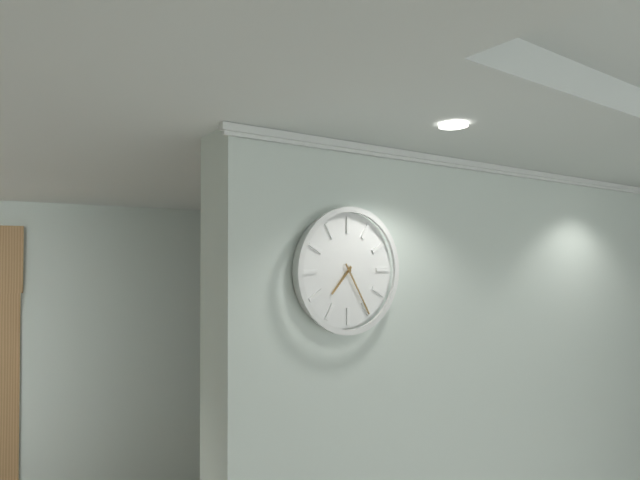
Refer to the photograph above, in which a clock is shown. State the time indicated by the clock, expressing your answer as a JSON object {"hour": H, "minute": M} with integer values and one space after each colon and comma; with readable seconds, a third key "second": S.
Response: {"hour": 7, "minute": 25}
